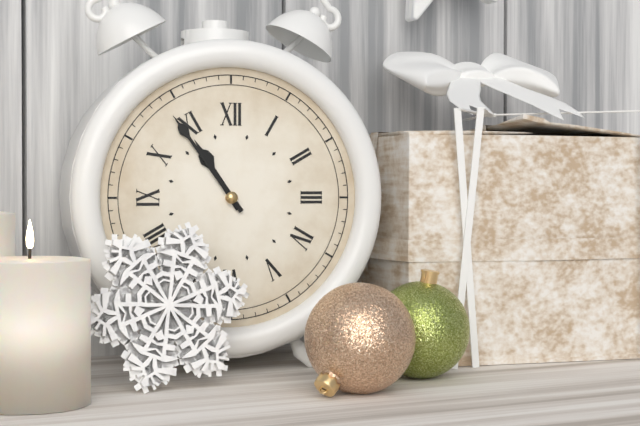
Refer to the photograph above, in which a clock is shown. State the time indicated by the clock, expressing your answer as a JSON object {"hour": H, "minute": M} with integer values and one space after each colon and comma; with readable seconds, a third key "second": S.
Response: {"hour": 10, "minute": 54}
